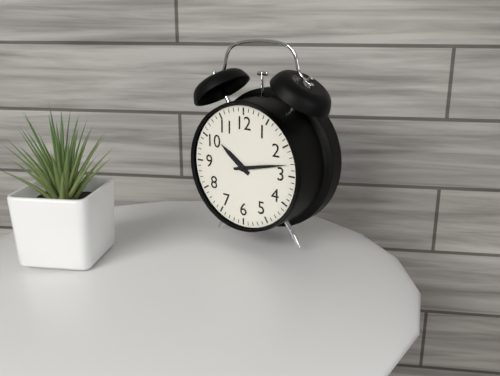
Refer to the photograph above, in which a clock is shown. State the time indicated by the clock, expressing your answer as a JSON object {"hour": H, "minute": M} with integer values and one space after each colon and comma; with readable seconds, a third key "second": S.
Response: {"hour": 10, "minute": 13}
